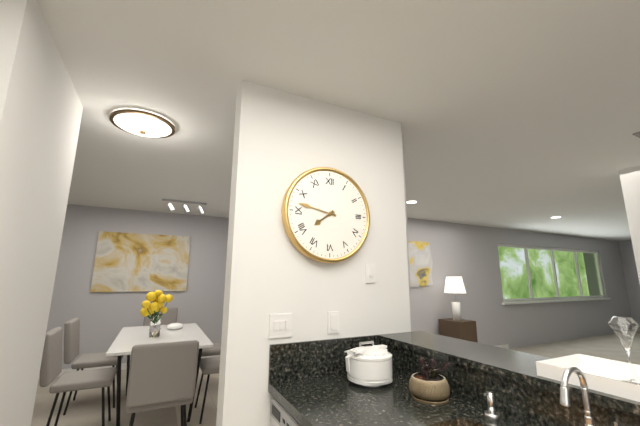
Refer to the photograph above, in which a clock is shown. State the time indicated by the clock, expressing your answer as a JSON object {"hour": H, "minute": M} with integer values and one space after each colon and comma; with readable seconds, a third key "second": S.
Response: {"hour": 7, "minute": 47}
